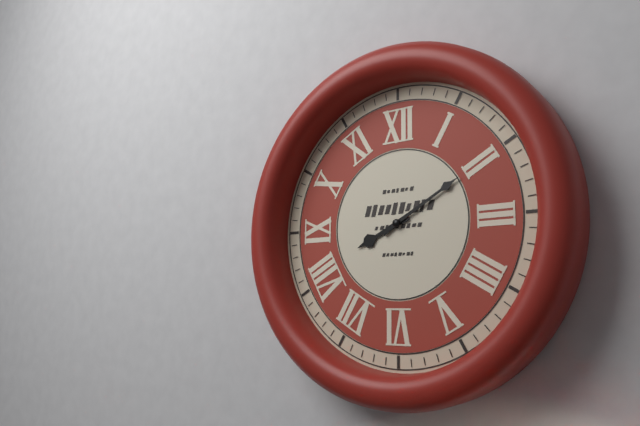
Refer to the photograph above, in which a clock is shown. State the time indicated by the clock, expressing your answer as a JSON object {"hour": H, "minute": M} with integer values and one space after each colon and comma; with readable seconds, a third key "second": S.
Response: {"hour": 8, "minute": 10}
